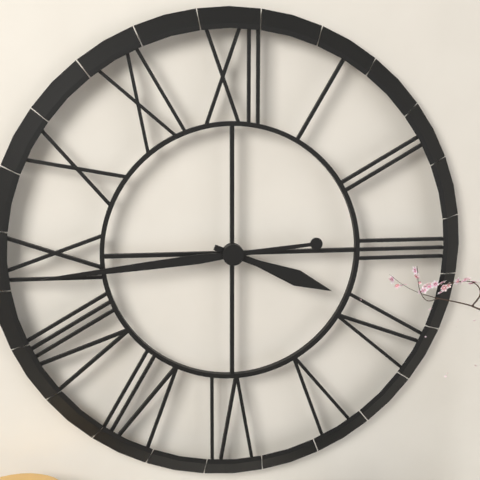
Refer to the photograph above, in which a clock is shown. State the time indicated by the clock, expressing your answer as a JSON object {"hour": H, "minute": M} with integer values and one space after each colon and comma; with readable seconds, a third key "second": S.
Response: {"hour": 3, "minute": 44}
